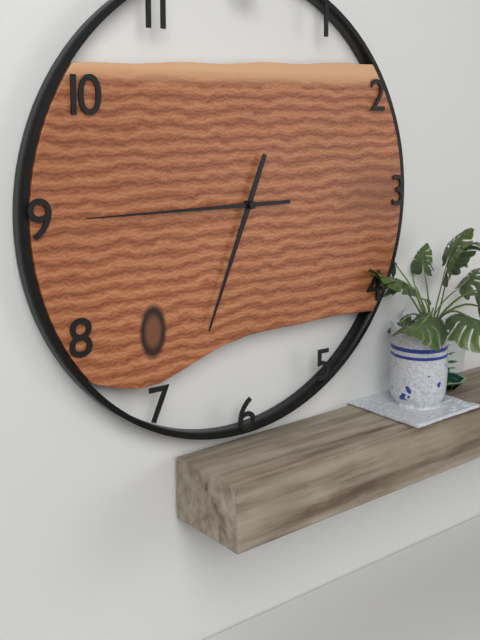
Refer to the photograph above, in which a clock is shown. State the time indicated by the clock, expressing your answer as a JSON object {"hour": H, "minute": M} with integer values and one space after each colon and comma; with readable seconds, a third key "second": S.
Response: {"hour": 6, "minute": 45}
